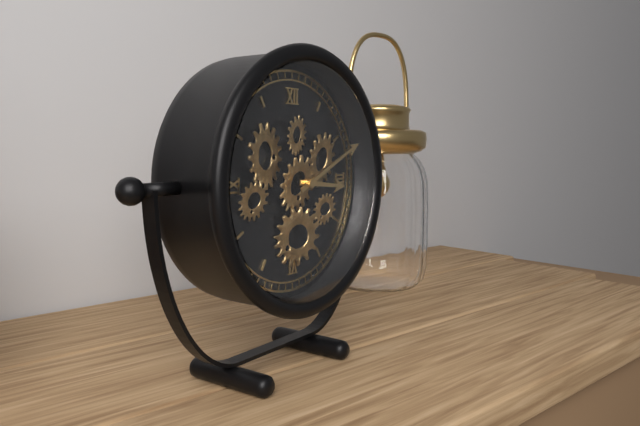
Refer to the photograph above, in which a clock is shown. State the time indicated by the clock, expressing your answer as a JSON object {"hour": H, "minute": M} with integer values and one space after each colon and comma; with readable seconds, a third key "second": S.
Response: {"hour": 3, "minute": 11}
